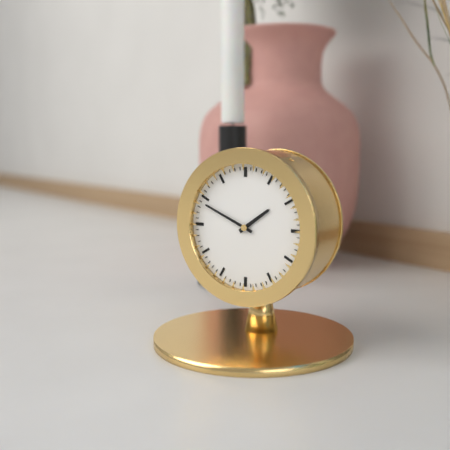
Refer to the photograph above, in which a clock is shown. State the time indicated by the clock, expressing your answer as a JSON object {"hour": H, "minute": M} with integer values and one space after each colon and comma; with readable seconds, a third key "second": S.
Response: {"hour": 1, "minute": 49}
